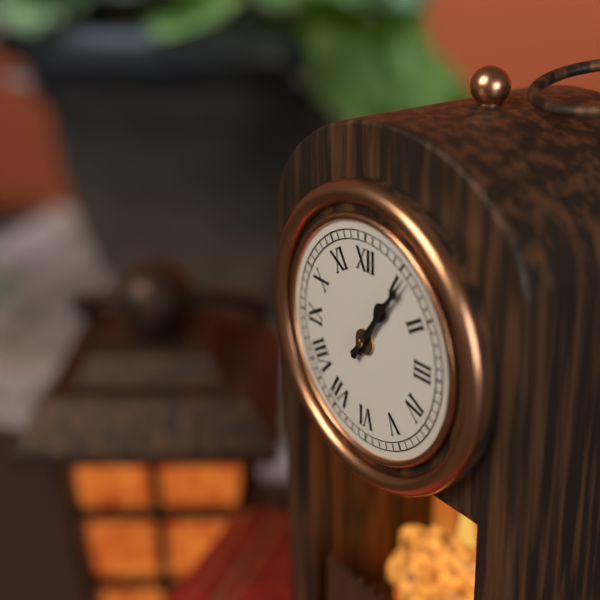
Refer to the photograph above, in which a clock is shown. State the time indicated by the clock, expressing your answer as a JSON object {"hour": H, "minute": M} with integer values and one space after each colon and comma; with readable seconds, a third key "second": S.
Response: {"hour": 1, "minute": 6}
